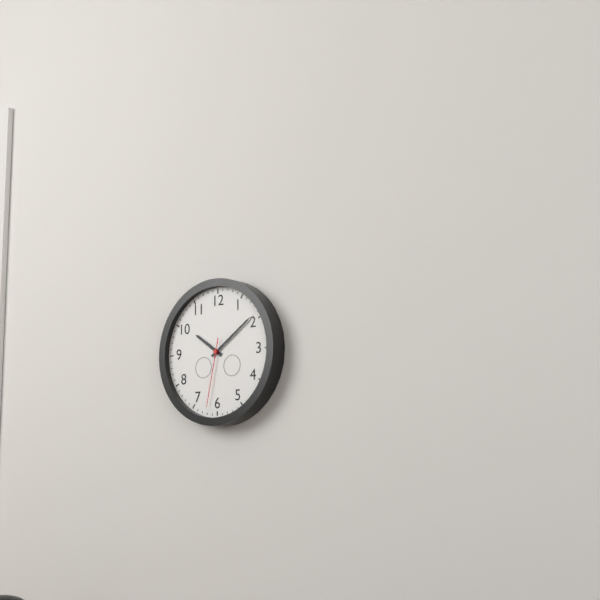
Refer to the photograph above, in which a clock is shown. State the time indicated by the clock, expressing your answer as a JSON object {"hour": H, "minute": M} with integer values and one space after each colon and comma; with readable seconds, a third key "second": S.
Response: {"hour": 10, "minute": 9, "second": 32}
